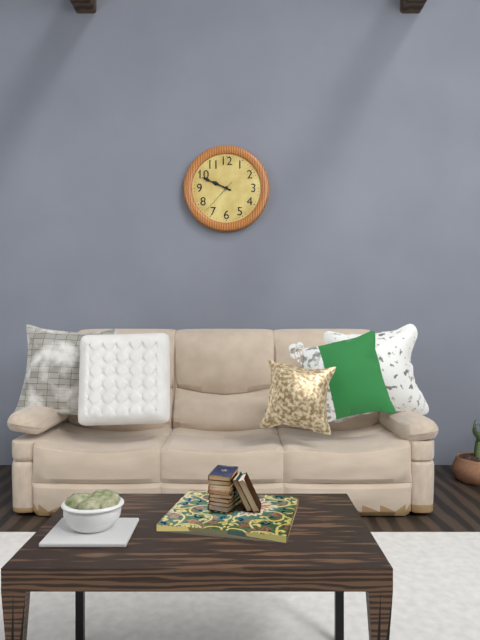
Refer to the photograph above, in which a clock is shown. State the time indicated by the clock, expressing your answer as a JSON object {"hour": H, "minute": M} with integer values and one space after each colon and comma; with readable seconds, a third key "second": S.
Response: {"hour": 9, "minute": 49}
